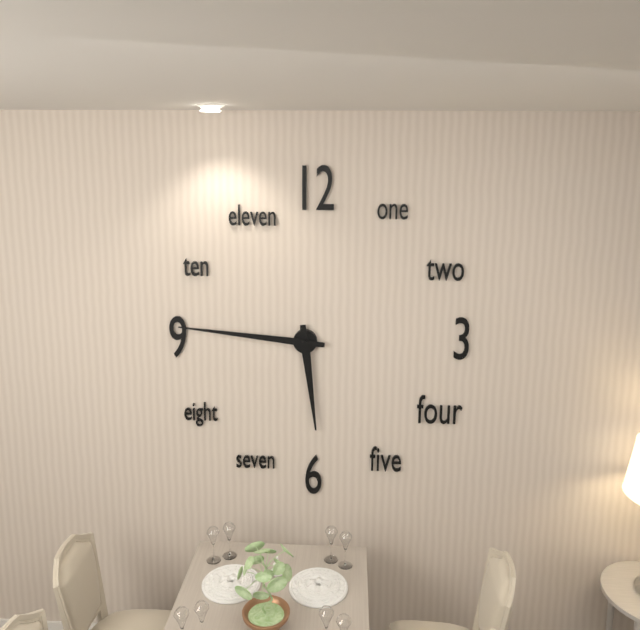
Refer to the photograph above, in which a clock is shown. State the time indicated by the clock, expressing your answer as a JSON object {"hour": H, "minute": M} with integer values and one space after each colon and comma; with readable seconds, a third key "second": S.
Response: {"hour": 5, "minute": 46}
